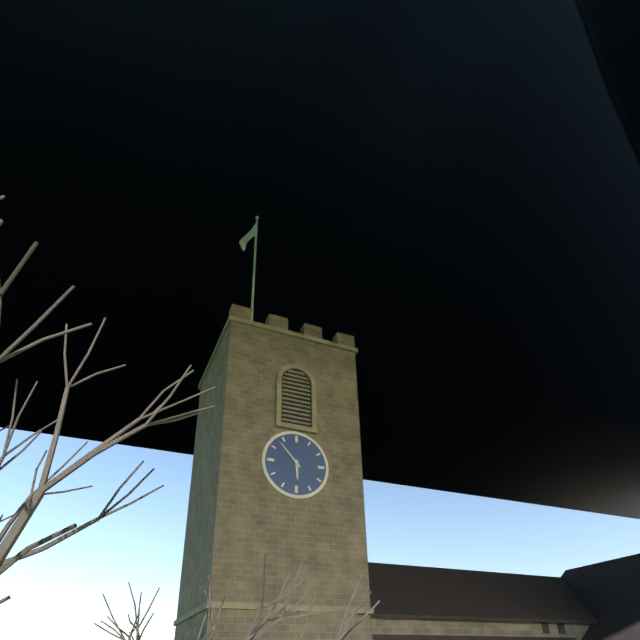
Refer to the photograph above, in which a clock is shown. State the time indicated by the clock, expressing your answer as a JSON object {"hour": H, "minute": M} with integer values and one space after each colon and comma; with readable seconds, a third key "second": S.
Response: {"hour": 5, "minute": 53}
